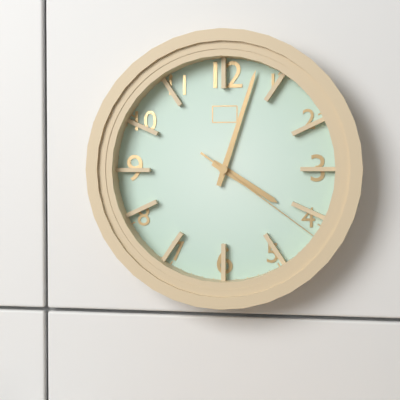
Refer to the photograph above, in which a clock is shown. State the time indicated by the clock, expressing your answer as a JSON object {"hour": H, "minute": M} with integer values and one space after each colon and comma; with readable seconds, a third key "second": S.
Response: {"hour": 4, "minute": 3, "second": 21}
